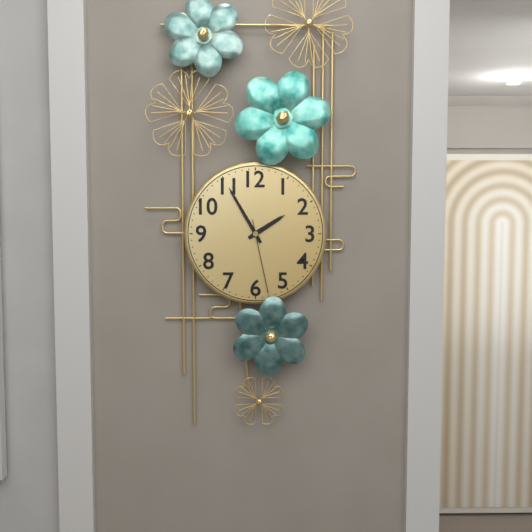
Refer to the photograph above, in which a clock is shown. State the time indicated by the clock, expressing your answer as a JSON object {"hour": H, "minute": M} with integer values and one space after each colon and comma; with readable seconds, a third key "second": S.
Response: {"hour": 1, "minute": 55, "second": 28}
